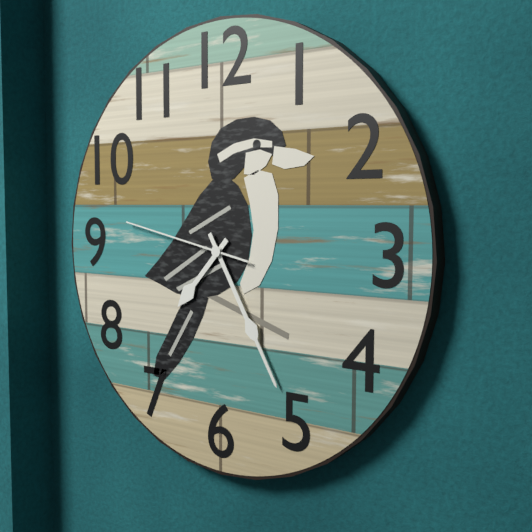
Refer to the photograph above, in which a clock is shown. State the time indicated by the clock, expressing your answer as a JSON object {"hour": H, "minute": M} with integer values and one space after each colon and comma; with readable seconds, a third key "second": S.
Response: {"hour": 7, "minute": 25, "second": 47}
